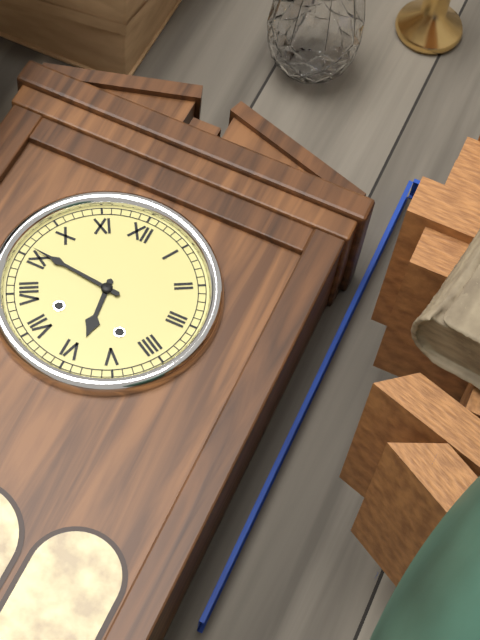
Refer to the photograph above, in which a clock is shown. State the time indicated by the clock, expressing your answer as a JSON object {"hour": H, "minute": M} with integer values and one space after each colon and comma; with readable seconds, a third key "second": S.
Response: {"hour": 5, "minute": 46}
